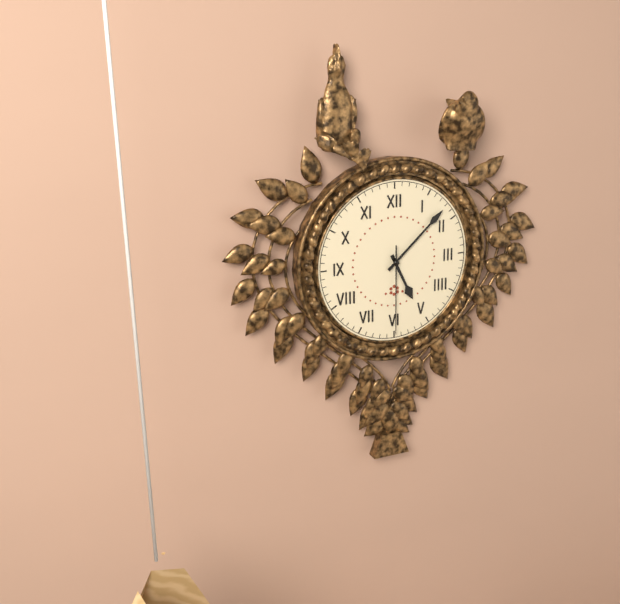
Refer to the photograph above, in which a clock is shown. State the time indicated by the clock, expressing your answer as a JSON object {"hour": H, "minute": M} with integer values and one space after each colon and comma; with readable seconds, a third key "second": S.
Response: {"hour": 5, "minute": 8, "second": 30}
